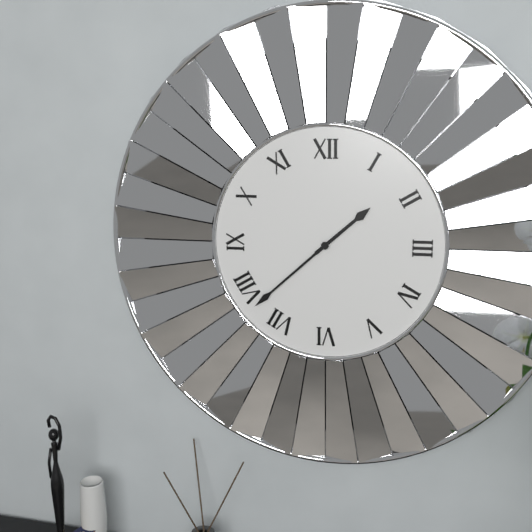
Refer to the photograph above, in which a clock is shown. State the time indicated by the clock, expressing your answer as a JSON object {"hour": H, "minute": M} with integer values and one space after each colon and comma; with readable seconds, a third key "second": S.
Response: {"hour": 1, "minute": 38}
